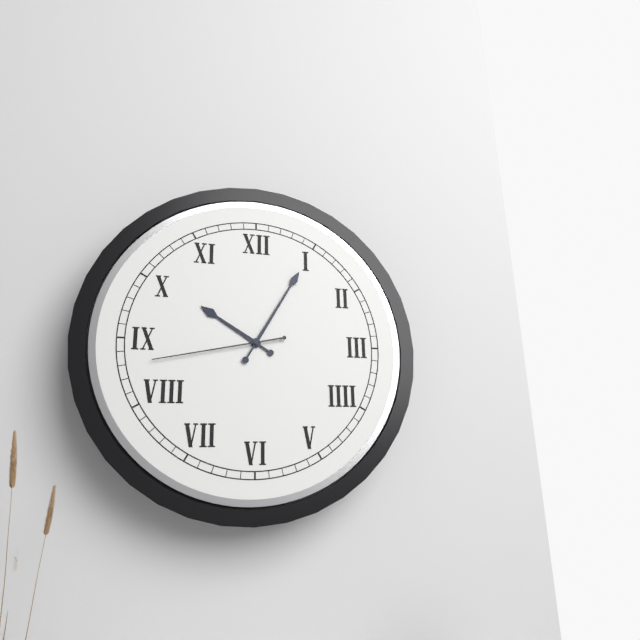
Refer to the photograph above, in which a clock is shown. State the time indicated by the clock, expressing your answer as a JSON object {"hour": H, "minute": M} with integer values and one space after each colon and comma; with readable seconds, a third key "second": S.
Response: {"hour": 10, "minute": 5, "second": 43}
